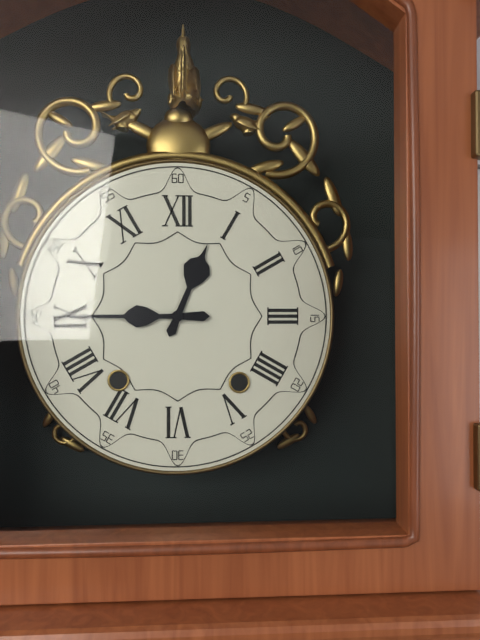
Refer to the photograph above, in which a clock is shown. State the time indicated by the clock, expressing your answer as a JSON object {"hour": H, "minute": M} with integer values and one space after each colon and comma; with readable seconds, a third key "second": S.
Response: {"hour": 12, "minute": 45}
